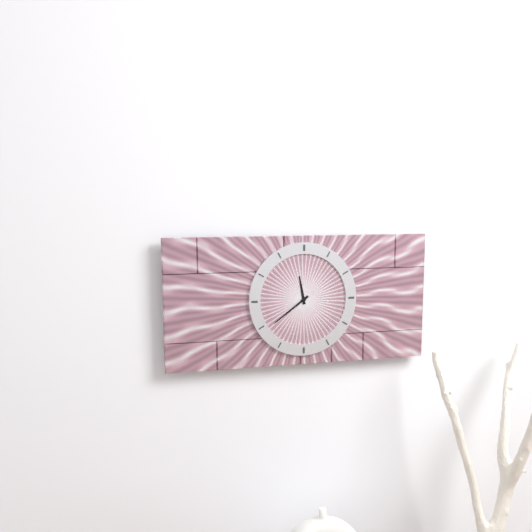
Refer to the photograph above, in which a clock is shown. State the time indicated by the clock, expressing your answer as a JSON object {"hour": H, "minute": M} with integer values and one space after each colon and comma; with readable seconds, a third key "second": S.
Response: {"hour": 11, "minute": 39}
